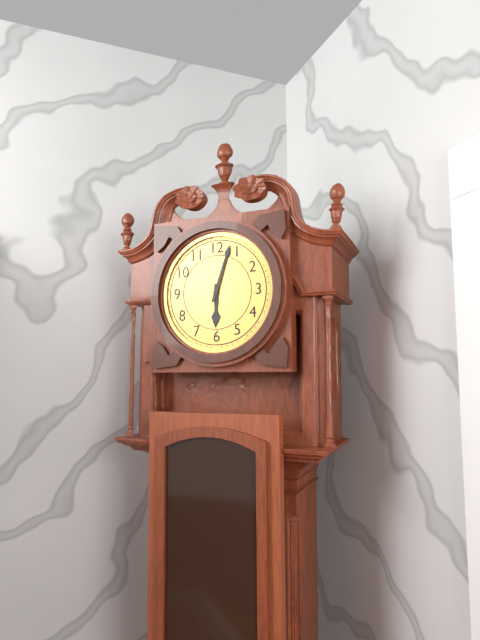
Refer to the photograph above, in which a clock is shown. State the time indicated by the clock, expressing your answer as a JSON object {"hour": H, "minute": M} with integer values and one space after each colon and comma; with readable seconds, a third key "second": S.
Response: {"hour": 6, "minute": 3}
